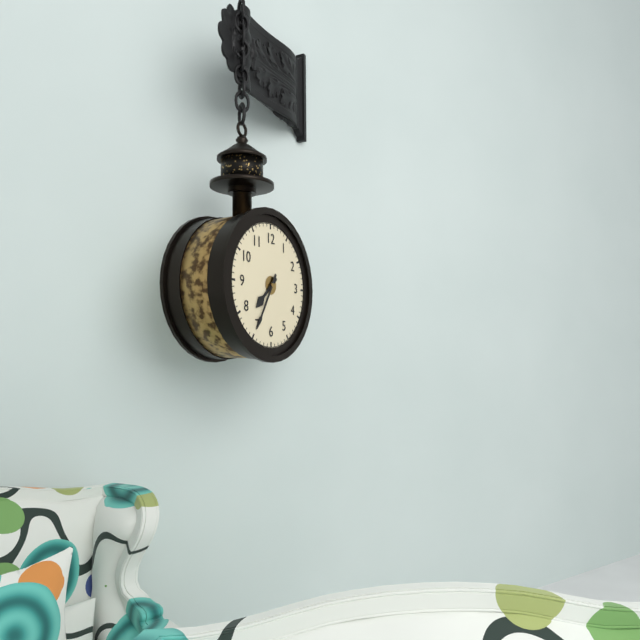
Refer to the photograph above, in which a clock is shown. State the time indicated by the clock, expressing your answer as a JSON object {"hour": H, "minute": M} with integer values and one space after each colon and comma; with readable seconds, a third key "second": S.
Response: {"hour": 7, "minute": 35}
